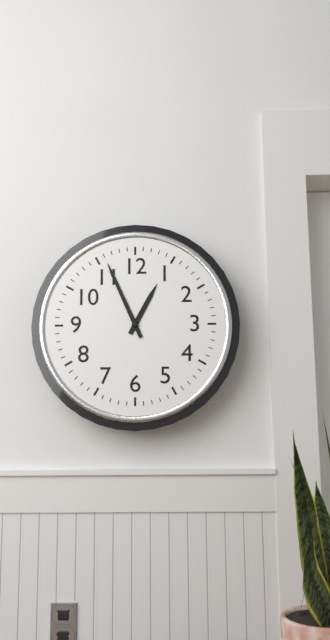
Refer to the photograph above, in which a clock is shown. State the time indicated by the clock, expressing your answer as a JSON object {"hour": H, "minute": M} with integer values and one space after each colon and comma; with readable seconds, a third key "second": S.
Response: {"hour": 12, "minute": 56}
